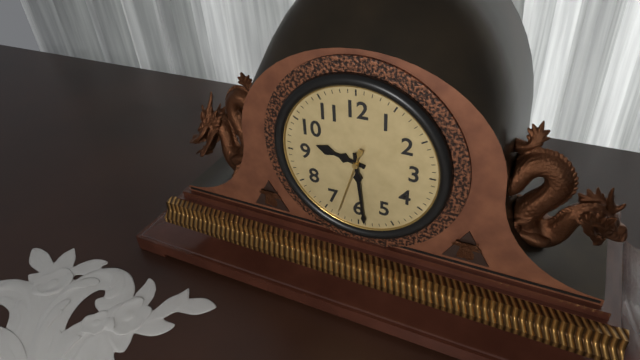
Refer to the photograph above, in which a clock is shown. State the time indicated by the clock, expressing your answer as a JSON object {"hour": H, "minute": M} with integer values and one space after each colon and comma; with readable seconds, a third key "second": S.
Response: {"hour": 9, "minute": 29, "second": 33}
